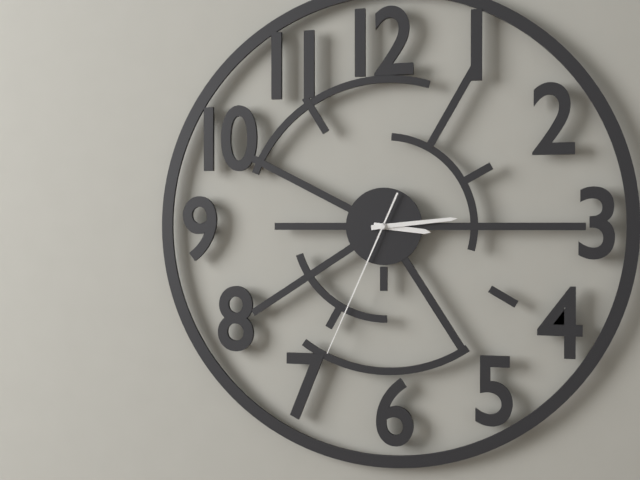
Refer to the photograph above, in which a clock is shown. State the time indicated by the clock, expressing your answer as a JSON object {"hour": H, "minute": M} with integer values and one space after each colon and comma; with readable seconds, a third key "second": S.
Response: {"hour": 3, "minute": 14, "second": 34}
